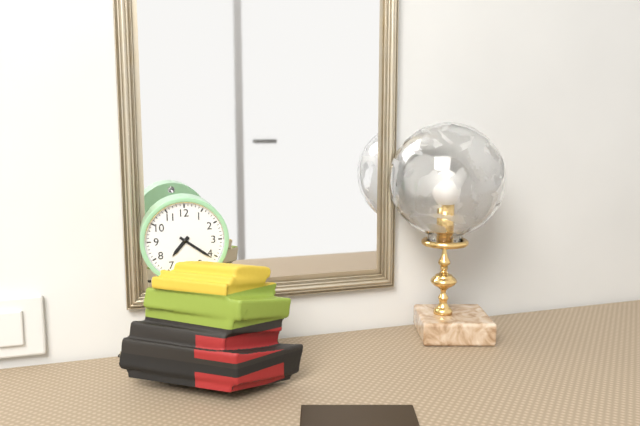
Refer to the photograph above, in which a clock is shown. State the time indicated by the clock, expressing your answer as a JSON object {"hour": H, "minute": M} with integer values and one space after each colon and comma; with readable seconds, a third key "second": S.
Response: {"hour": 7, "minute": 21}
